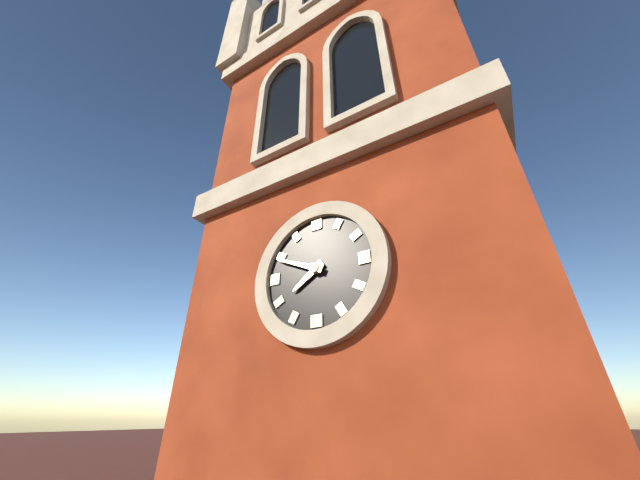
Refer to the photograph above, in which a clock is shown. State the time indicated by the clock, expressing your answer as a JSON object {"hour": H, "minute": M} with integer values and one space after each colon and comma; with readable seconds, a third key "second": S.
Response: {"hour": 7, "minute": 49}
